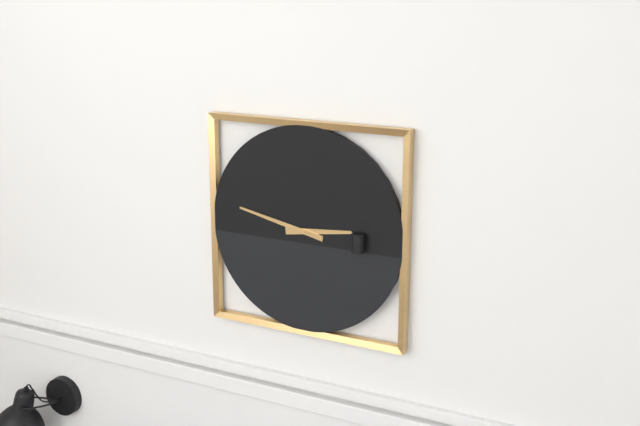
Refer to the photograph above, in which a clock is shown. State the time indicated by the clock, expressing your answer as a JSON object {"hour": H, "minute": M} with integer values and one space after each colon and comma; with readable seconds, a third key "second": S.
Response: {"hour": 2, "minute": 47}
